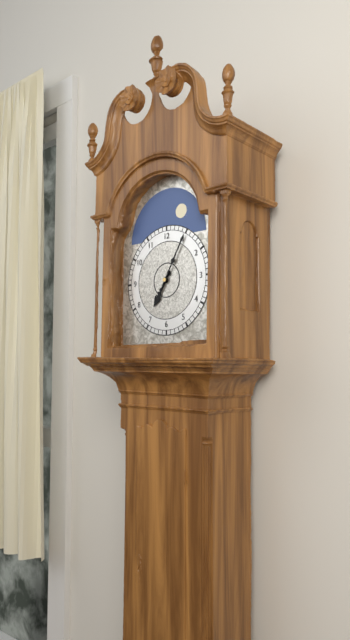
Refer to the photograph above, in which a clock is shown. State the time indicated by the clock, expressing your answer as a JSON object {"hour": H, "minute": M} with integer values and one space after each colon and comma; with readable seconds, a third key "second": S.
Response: {"hour": 7, "minute": 5}
